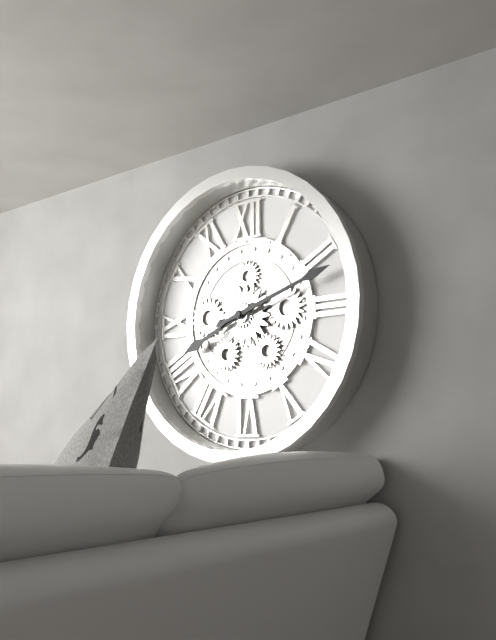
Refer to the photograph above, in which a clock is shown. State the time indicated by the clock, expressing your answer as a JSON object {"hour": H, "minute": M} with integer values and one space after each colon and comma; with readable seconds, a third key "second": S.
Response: {"hour": 8, "minute": 12}
